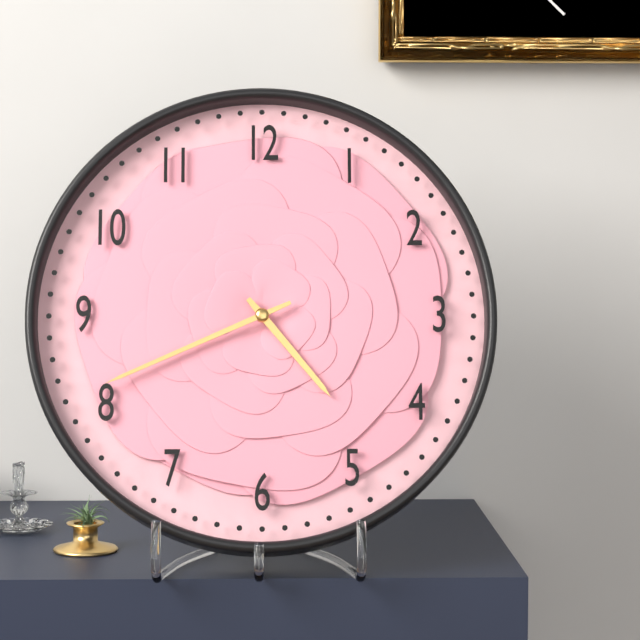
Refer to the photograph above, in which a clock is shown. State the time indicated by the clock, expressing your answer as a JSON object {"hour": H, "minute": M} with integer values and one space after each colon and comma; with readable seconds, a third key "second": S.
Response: {"hour": 4, "minute": 41}
